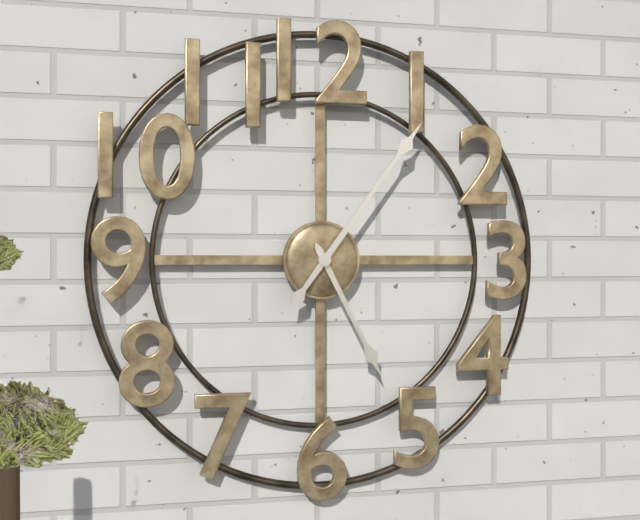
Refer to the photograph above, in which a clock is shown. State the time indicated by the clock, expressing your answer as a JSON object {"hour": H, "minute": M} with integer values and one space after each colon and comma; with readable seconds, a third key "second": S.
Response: {"hour": 5, "minute": 6}
